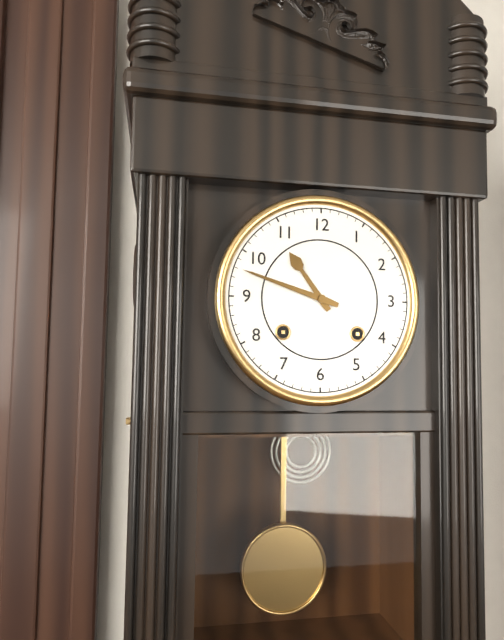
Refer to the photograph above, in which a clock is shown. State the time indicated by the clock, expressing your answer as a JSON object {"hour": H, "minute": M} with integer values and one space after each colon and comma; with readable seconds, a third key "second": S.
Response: {"hour": 10, "minute": 48}
